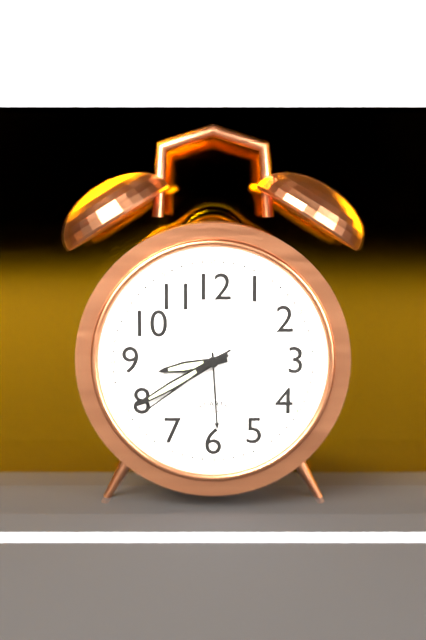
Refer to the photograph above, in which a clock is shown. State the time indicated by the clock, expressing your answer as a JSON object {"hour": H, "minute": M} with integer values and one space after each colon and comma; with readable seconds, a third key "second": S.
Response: {"hour": 8, "minute": 40, "second": 39}
